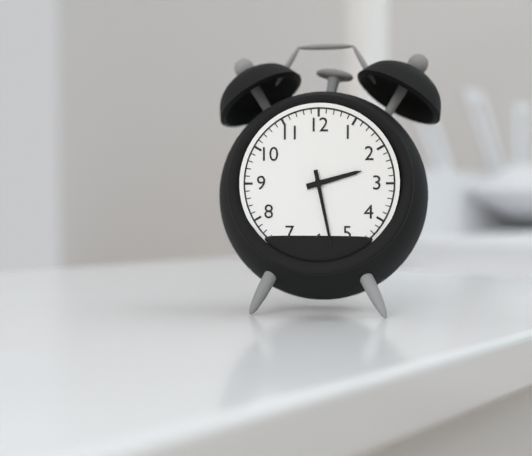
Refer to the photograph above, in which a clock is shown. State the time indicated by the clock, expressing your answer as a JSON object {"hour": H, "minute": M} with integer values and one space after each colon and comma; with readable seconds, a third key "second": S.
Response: {"hour": 2, "minute": 28}
